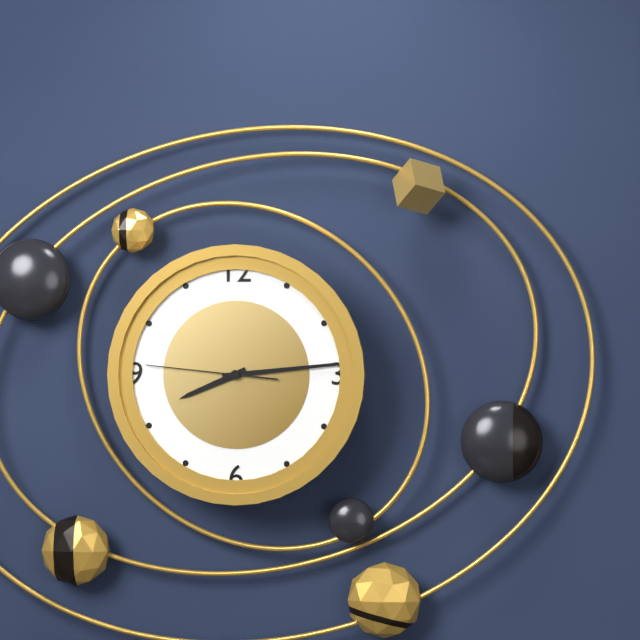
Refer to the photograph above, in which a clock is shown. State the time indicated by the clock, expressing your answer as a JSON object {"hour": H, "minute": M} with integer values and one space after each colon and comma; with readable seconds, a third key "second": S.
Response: {"hour": 8, "minute": 14, "second": 46}
